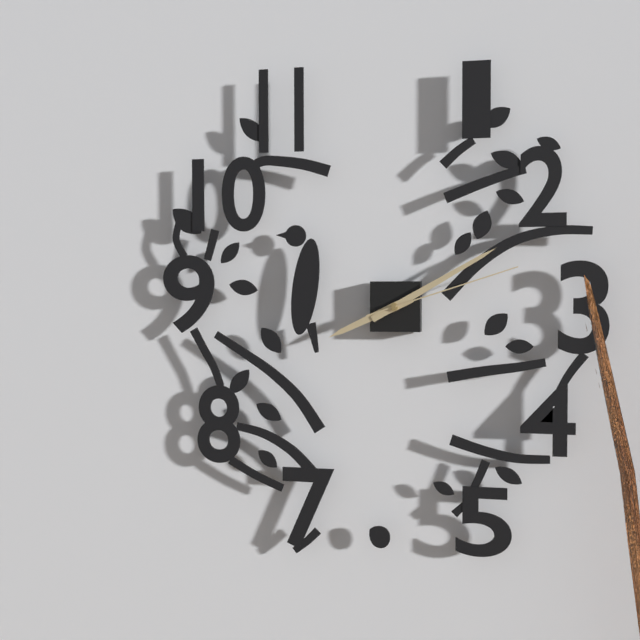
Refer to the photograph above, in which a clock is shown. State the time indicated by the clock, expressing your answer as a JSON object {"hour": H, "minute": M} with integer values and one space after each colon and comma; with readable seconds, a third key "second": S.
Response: {"hour": 8, "minute": 10, "second": 12}
